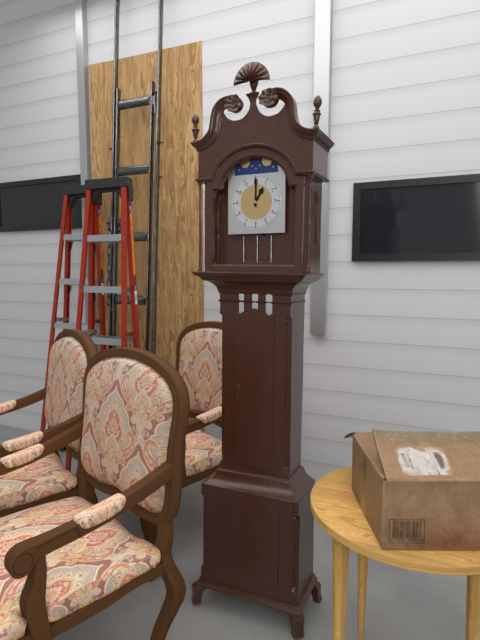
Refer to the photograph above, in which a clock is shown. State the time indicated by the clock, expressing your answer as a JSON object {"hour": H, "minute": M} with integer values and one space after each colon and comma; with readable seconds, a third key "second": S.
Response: {"hour": 1, "minute": 0}
